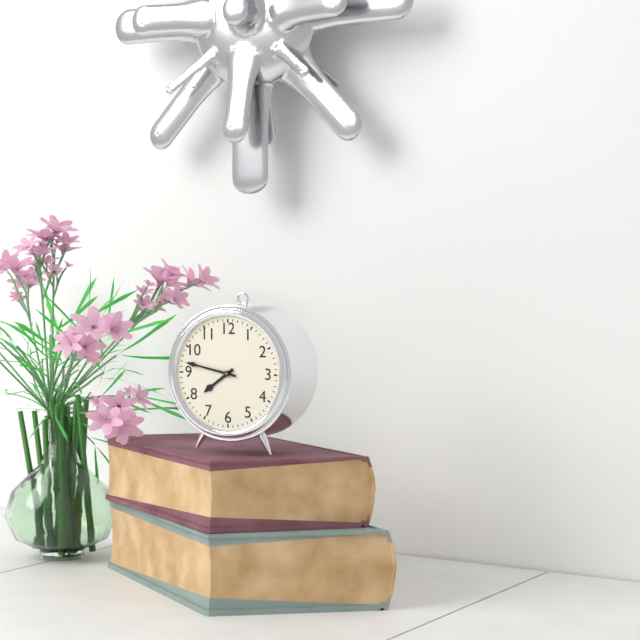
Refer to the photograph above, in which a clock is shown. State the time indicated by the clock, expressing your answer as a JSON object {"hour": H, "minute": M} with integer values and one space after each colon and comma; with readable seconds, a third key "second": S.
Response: {"hour": 7, "minute": 47}
